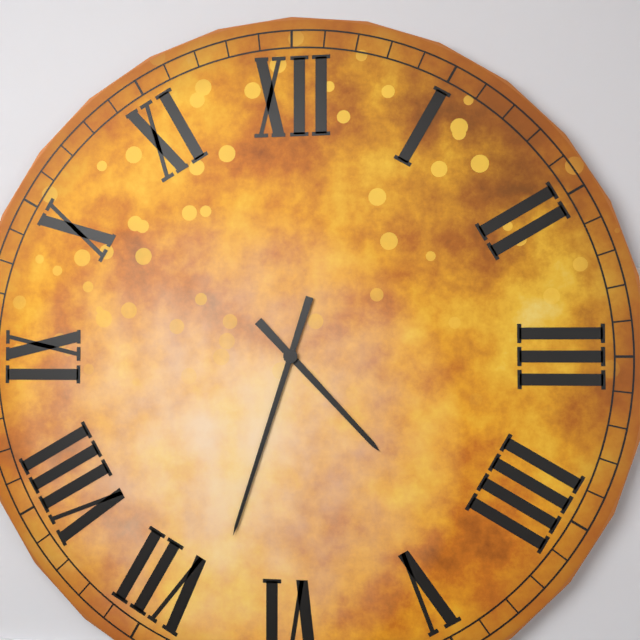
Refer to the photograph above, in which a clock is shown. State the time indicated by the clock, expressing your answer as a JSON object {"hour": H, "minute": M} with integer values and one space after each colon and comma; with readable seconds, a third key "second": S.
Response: {"hour": 4, "minute": 33}
